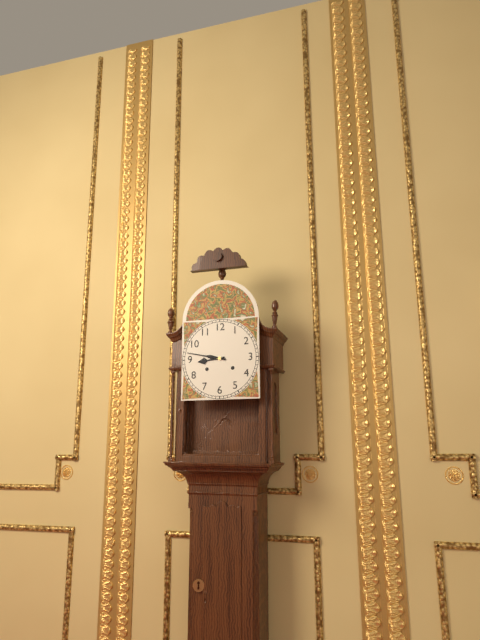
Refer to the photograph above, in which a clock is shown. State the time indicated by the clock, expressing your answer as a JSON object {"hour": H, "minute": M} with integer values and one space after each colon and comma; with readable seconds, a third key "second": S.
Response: {"hour": 8, "minute": 47}
